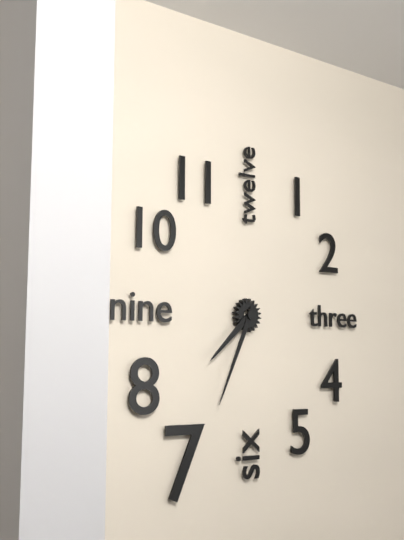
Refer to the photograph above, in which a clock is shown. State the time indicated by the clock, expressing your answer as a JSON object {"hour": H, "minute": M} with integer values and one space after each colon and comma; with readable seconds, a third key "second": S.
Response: {"hour": 7, "minute": 34}
